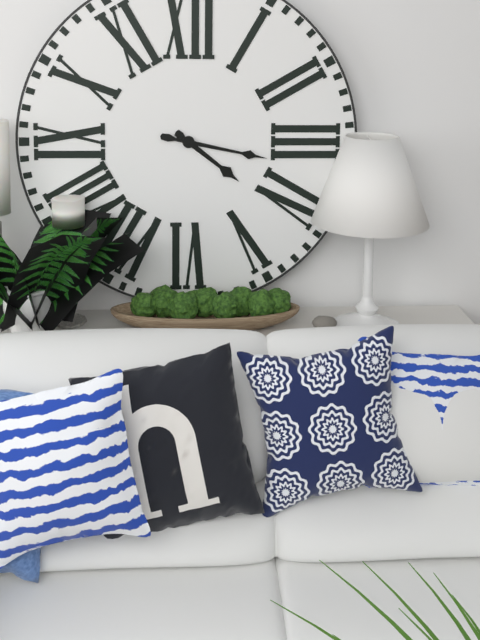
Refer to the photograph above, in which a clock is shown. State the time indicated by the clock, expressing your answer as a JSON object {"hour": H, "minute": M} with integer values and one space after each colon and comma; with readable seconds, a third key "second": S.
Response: {"hour": 4, "minute": 17}
